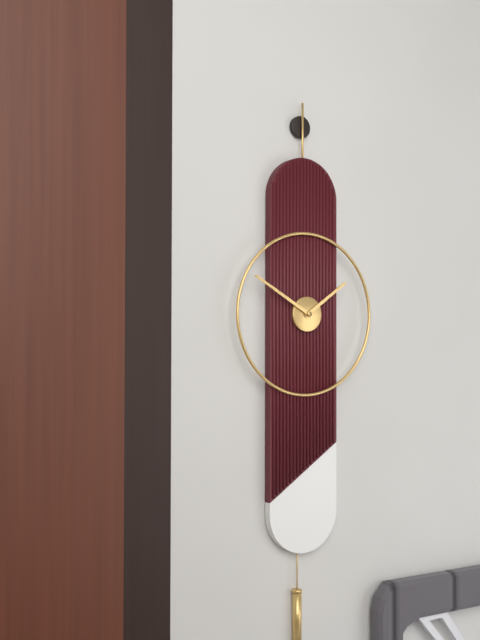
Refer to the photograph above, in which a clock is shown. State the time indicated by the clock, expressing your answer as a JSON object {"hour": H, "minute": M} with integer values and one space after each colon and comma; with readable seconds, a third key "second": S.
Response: {"hour": 1, "minute": 50}
